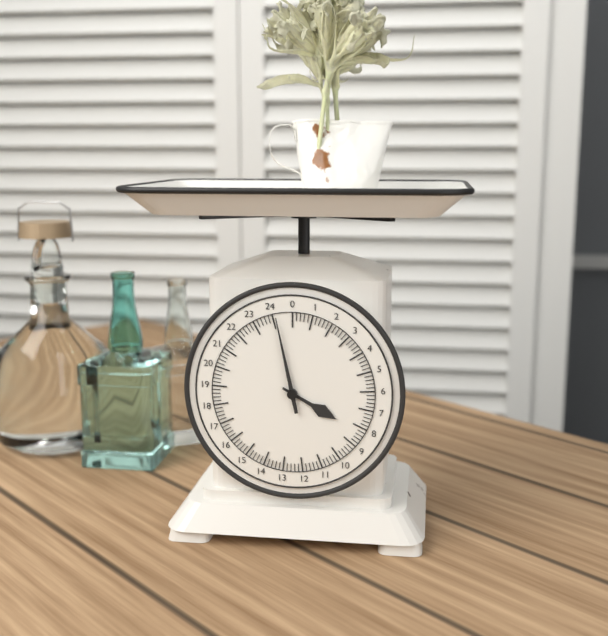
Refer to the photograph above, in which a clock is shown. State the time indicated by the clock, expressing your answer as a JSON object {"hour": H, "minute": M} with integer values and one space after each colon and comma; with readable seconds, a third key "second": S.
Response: {"hour": 3, "minute": 58}
